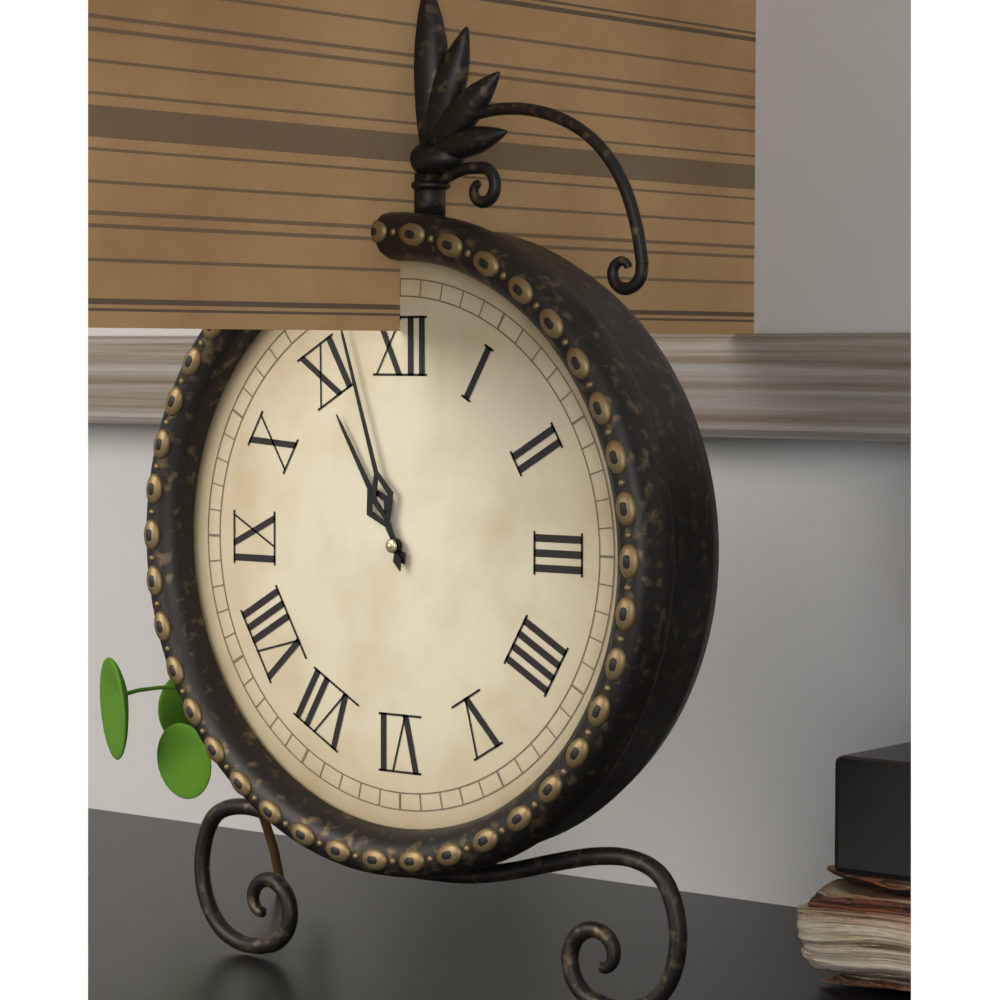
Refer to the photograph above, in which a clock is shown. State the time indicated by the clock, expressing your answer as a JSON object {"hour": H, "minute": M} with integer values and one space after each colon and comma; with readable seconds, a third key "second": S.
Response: {"hour": 10, "minute": 57}
